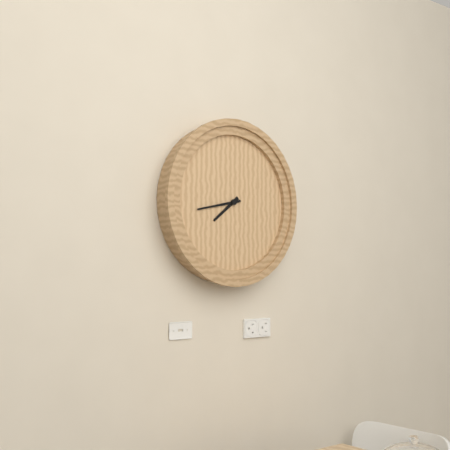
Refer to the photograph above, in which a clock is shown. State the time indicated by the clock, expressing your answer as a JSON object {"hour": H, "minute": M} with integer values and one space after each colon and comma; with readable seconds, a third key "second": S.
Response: {"hour": 7, "minute": 43}
